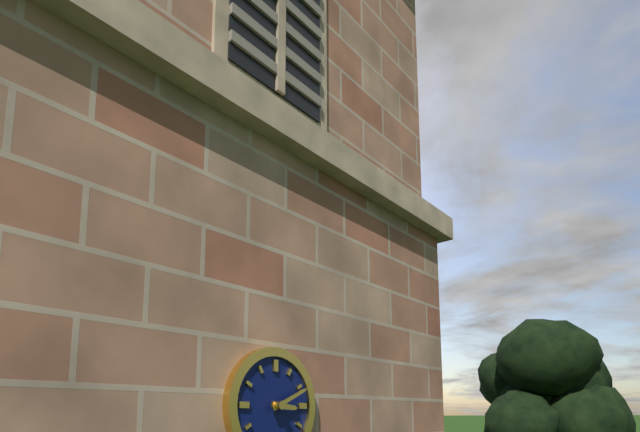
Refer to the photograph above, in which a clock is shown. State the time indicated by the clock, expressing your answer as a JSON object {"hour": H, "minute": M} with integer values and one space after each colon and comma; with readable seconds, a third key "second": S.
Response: {"hour": 3, "minute": 11}
